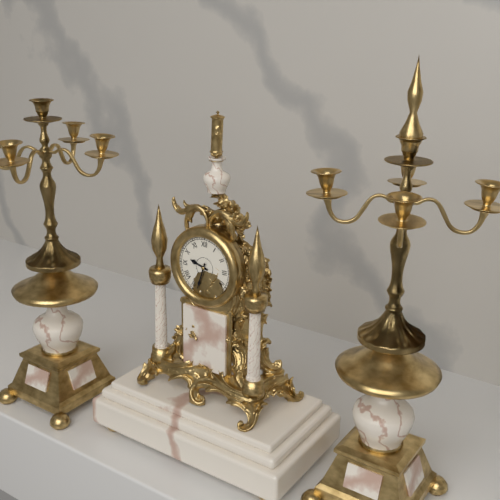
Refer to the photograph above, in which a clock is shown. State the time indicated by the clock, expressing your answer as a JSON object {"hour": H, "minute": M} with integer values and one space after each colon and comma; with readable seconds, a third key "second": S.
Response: {"hour": 9, "minute": 33}
